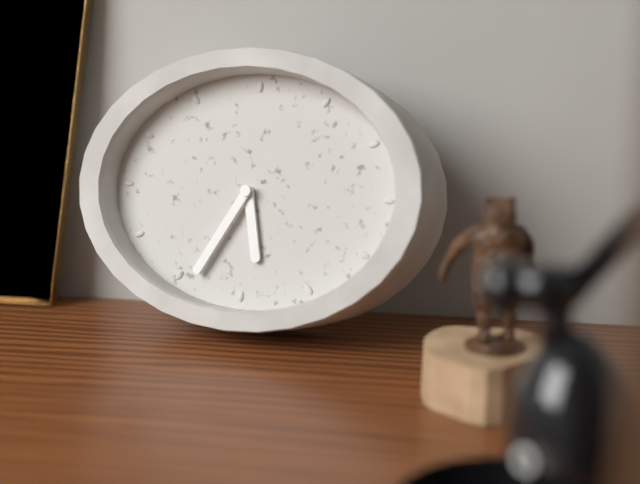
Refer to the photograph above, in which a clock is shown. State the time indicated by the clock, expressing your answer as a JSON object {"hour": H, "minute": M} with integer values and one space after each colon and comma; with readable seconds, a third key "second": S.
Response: {"hour": 5, "minute": 35}
